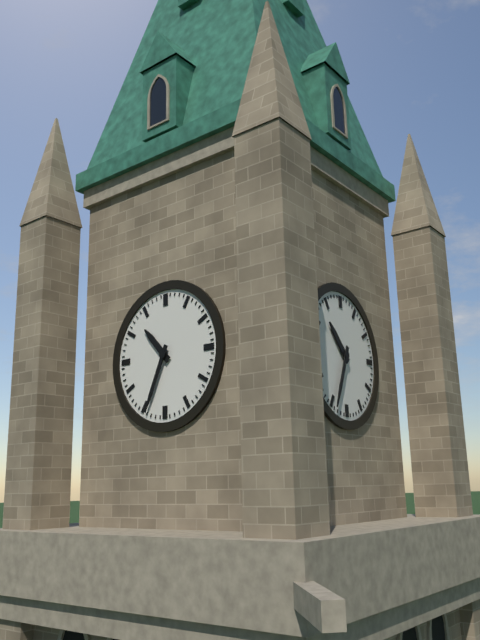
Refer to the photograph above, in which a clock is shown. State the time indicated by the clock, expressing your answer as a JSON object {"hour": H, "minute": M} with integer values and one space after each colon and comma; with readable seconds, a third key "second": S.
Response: {"hour": 10, "minute": 34}
